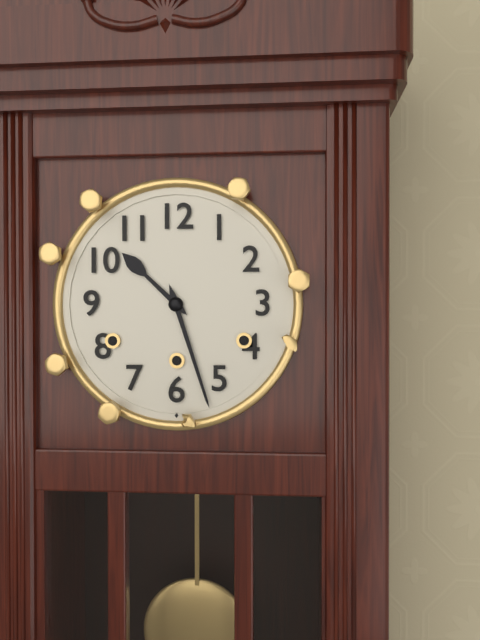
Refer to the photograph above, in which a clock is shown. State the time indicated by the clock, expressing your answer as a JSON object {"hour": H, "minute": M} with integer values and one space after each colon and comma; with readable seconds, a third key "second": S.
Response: {"hour": 10, "minute": 27}
